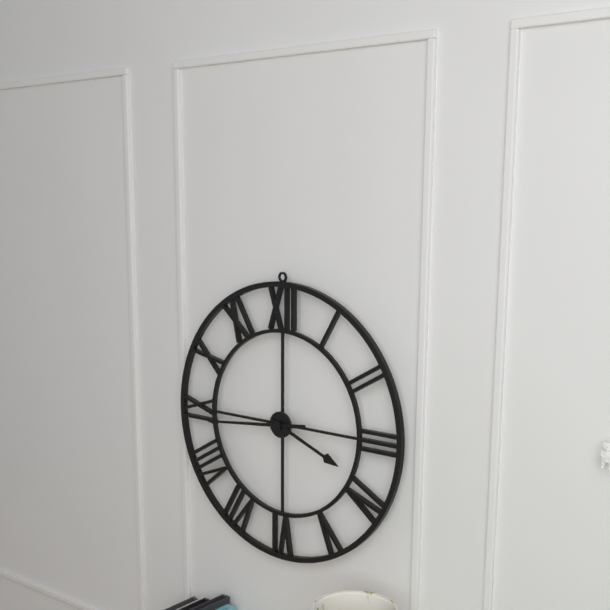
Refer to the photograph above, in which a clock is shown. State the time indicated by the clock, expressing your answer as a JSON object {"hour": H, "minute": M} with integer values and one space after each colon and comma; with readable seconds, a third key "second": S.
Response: {"hour": 3, "minute": 44}
